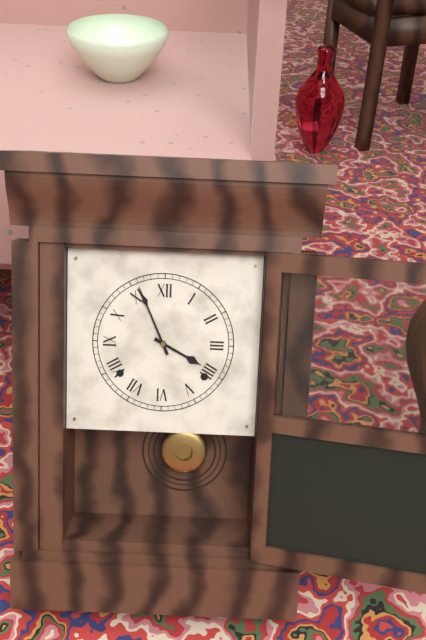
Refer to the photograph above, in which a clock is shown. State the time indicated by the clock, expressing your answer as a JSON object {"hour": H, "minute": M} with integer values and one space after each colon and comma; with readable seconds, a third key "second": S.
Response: {"hour": 3, "minute": 56}
